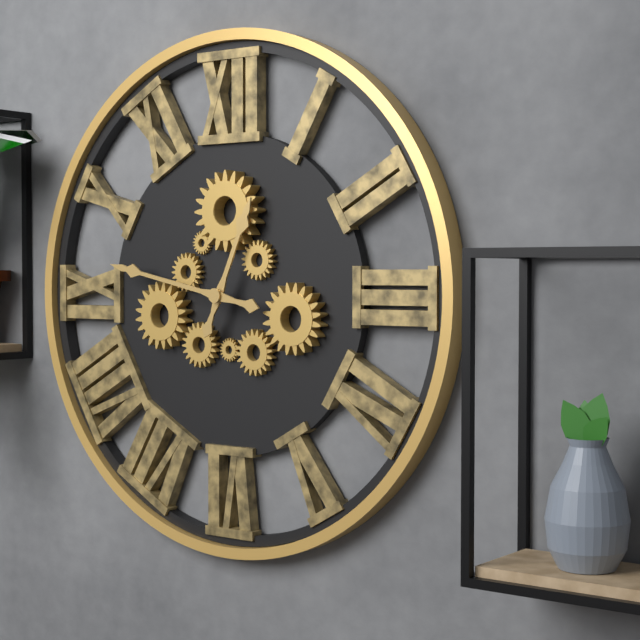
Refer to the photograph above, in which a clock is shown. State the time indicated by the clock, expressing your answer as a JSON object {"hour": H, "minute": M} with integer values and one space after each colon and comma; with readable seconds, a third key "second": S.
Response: {"hour": 12, "minute": 47}
